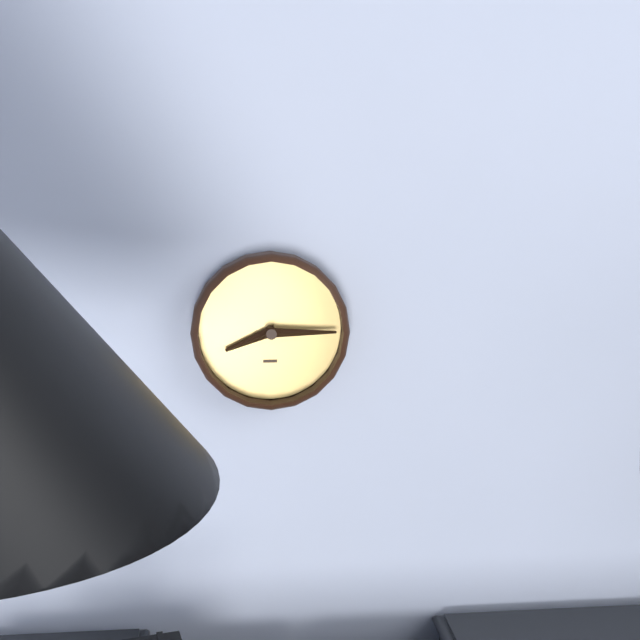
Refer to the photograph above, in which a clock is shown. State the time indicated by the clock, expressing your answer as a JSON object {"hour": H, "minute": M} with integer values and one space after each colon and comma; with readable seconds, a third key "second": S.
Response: {"hour": 8, "minute": 15}
